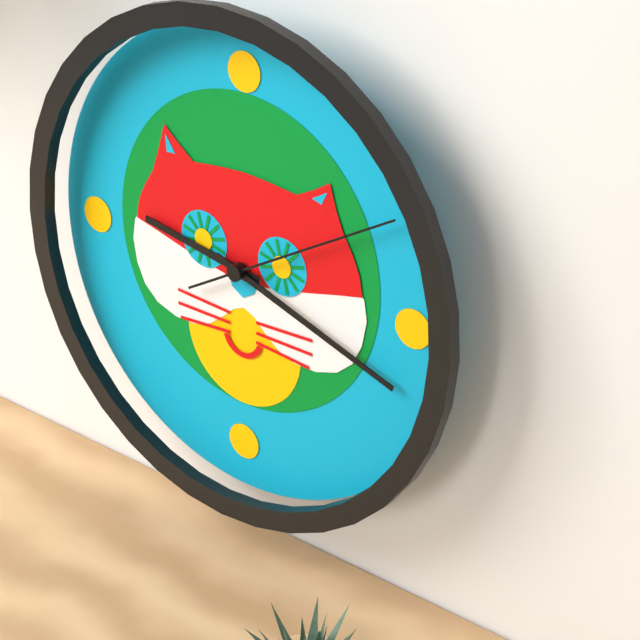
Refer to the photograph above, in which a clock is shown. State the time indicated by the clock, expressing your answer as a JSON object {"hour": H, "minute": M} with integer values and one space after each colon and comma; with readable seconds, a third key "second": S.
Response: {"hour": 9, "minute": 18, "second": 10}
